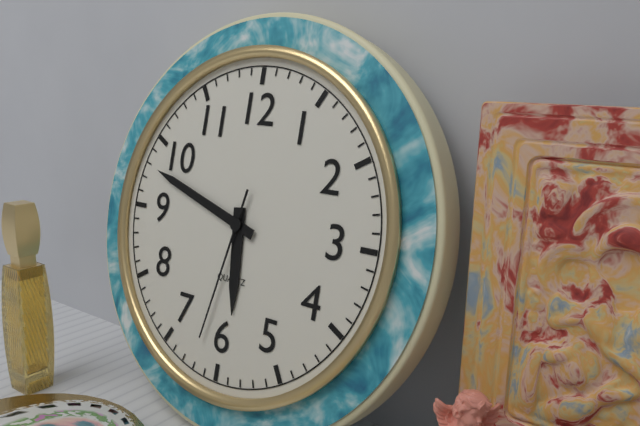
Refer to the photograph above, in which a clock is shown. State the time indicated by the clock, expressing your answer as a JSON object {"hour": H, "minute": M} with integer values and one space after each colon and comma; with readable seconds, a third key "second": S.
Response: {"hour": 5, "minute": 48, "second": 32}
